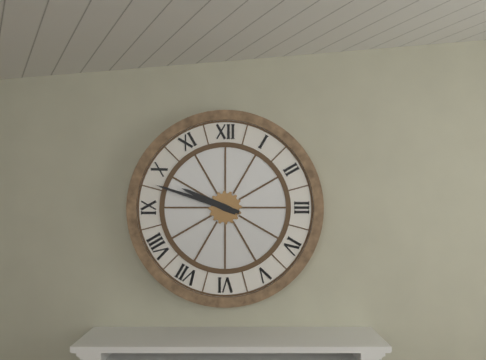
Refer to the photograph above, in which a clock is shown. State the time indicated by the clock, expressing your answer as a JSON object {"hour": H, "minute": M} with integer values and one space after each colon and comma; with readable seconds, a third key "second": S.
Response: {"hour": 9, "minute": 48}
